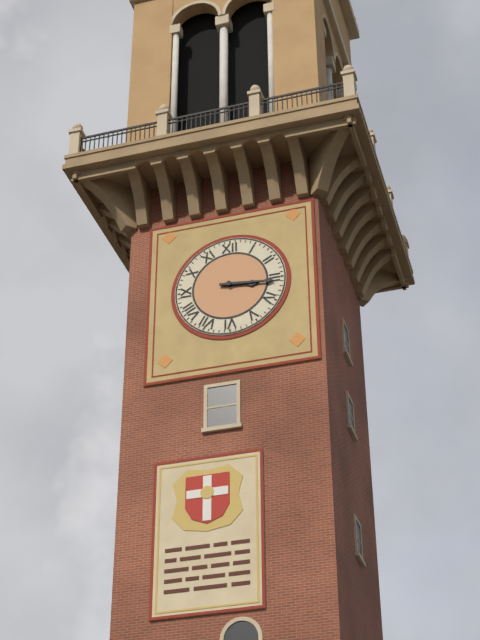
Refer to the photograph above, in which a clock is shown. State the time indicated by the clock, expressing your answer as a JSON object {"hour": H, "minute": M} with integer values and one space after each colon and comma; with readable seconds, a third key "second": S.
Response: {"hour": 3, "minute": 16}
